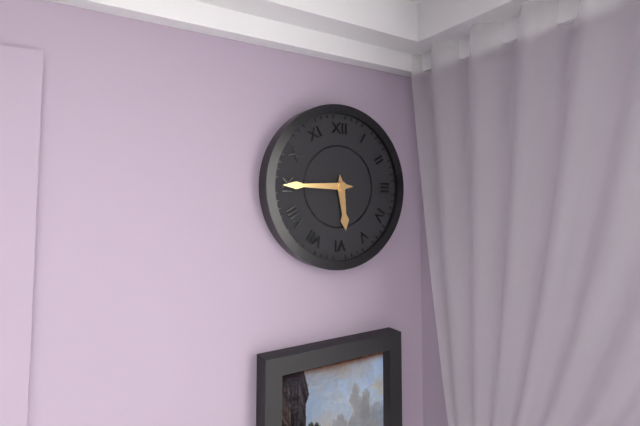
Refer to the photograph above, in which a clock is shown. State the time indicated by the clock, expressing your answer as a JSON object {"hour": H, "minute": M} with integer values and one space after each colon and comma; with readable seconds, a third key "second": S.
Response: {"hour": 5, "minute": 45}
